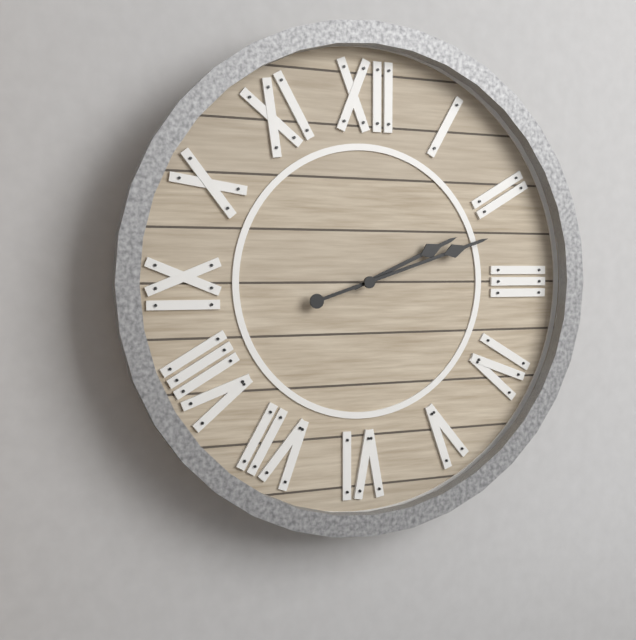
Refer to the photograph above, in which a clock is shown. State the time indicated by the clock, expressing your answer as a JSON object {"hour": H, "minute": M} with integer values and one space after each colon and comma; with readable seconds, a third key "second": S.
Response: {"hour": 2, "minute": 12}
